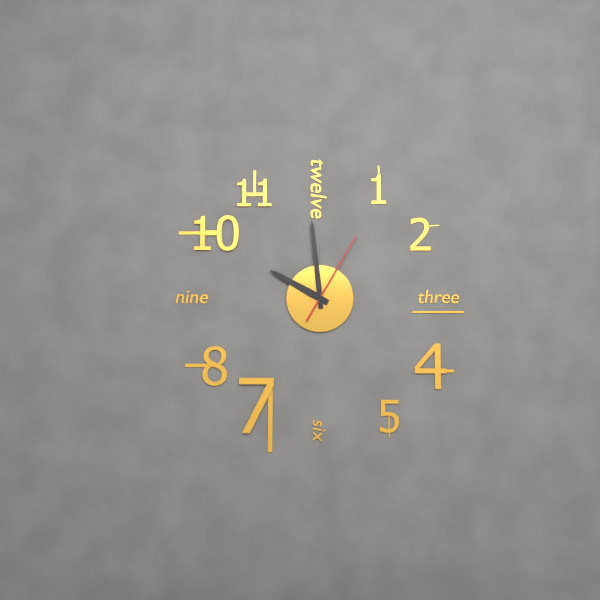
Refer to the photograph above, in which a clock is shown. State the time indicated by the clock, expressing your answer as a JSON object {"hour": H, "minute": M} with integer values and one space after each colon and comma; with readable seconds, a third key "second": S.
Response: {"hour": 9, "minute": 59, "second": 5}
